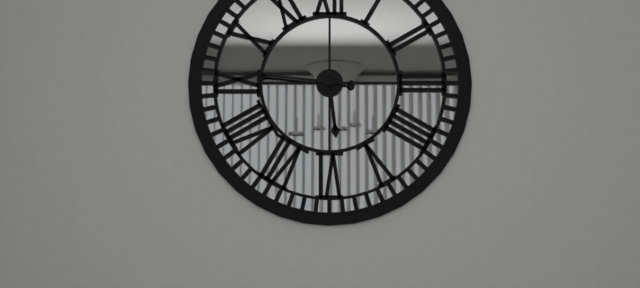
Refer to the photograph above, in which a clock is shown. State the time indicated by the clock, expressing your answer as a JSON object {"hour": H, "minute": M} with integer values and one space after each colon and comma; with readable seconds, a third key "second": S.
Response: {"hour": 5, "minute": 46}
